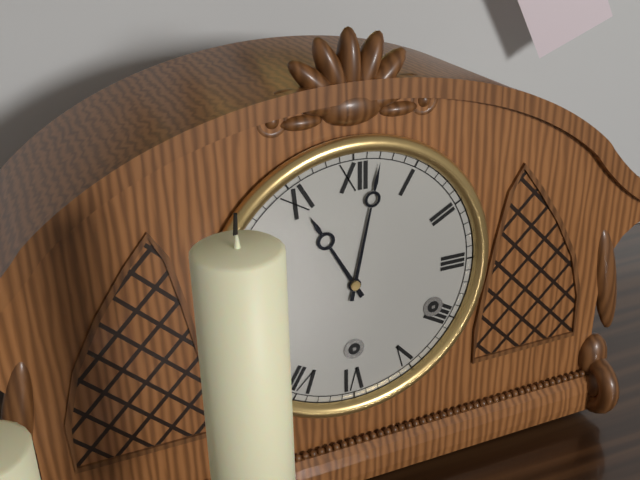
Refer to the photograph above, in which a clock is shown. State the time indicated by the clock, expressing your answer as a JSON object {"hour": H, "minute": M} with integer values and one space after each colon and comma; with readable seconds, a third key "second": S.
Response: {"hour": 11, "minute": 2}
